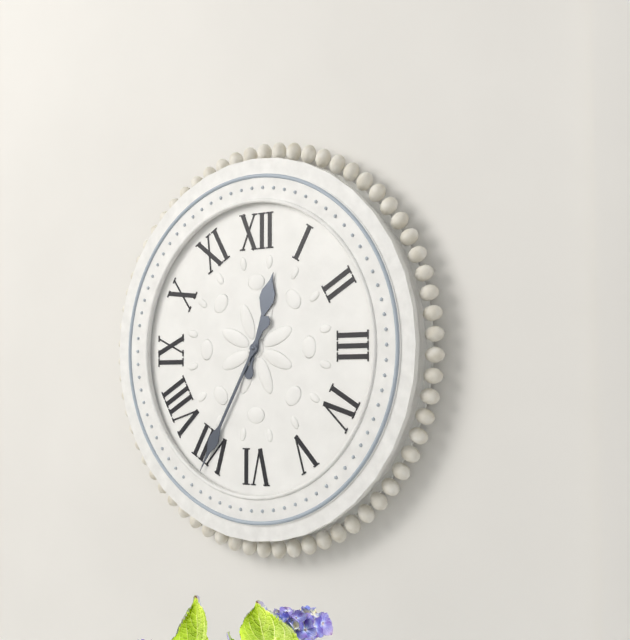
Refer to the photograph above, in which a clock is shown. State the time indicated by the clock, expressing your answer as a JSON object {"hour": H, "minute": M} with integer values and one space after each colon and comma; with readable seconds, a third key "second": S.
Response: {"hour": 12, "minute": 35}
